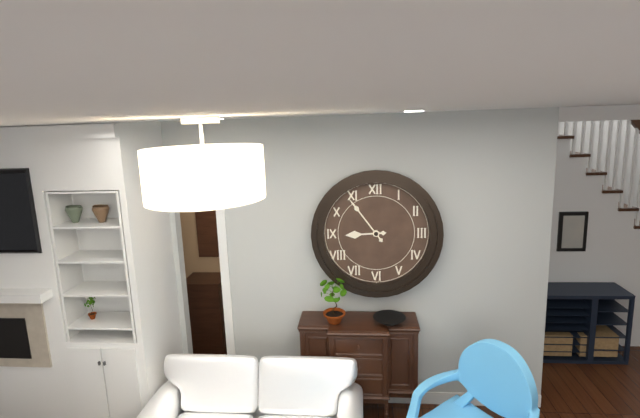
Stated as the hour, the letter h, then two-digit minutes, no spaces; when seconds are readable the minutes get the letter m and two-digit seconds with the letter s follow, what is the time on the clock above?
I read 8h54
